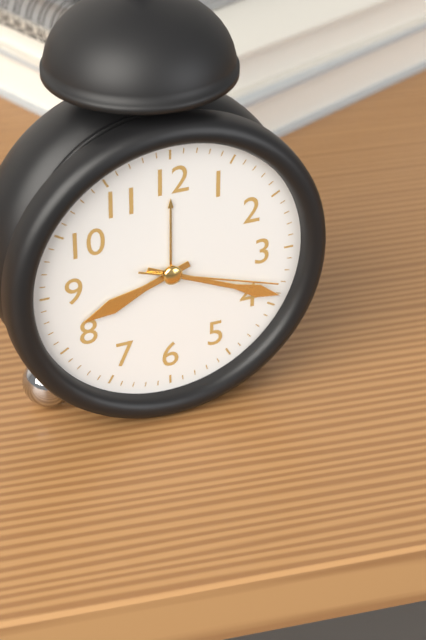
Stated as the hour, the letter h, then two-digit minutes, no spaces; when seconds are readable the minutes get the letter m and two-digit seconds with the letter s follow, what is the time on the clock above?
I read 8h19m18s
